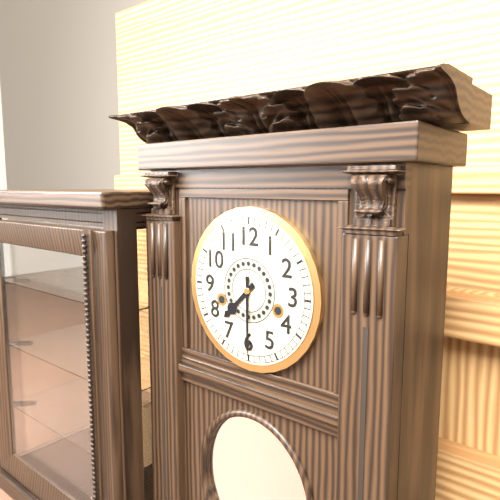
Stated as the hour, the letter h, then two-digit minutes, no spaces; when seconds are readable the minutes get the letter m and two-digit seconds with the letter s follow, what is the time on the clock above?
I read 7h30
